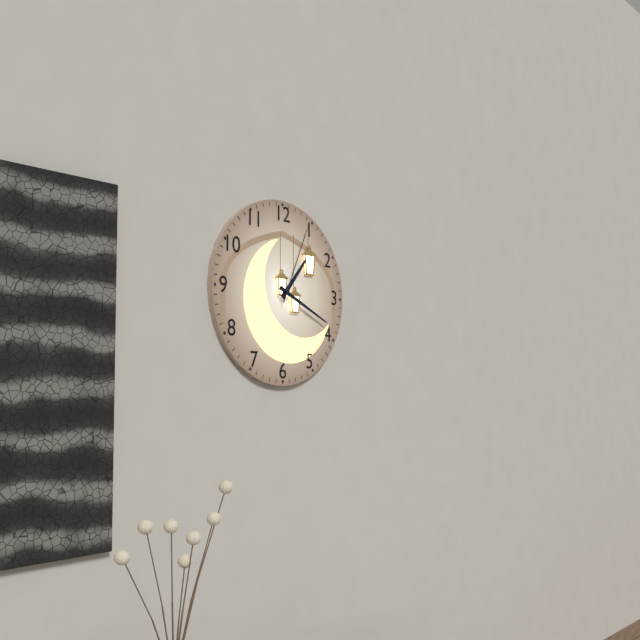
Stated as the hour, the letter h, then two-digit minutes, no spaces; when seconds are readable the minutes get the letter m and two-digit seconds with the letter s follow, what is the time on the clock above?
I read 1h19m04s
